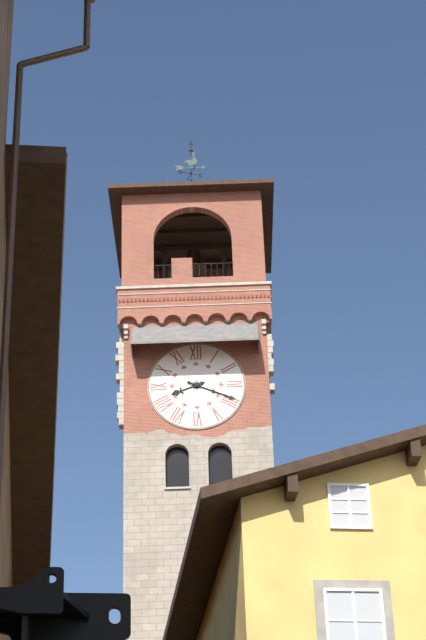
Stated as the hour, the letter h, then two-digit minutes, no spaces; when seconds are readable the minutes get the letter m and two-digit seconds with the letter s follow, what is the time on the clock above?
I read 8h19
